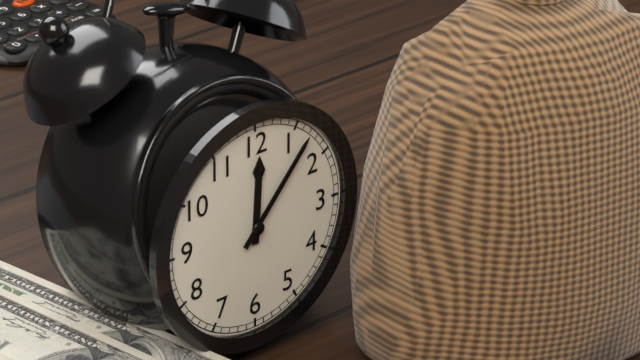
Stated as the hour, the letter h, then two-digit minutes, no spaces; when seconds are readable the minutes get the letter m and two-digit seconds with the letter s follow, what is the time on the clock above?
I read 12h07
